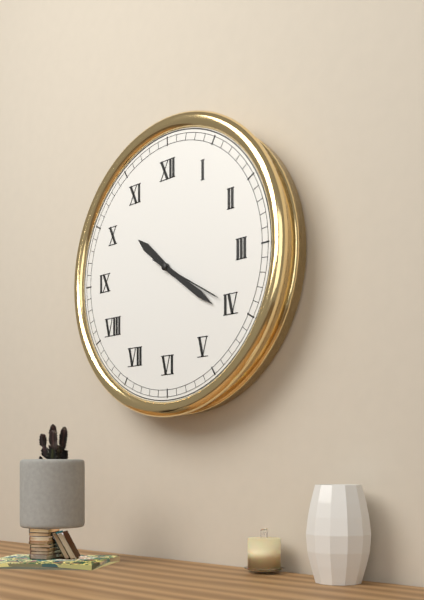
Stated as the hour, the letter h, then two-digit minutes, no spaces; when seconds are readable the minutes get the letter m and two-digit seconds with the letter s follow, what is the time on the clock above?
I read 10h21
